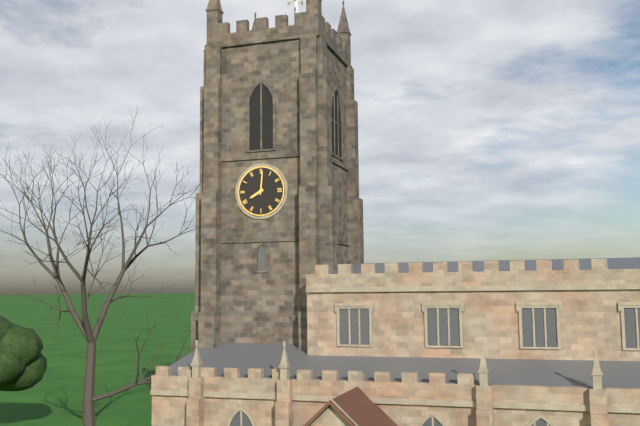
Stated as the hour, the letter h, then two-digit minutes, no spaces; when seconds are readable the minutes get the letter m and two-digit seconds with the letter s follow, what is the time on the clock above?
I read 8h01
